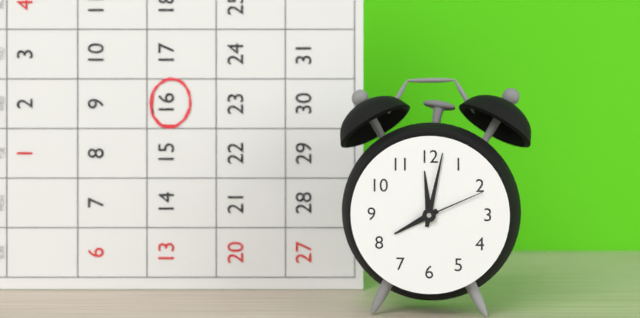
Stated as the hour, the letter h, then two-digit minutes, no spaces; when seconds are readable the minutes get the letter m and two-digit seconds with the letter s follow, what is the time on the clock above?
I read 8h02m11s
